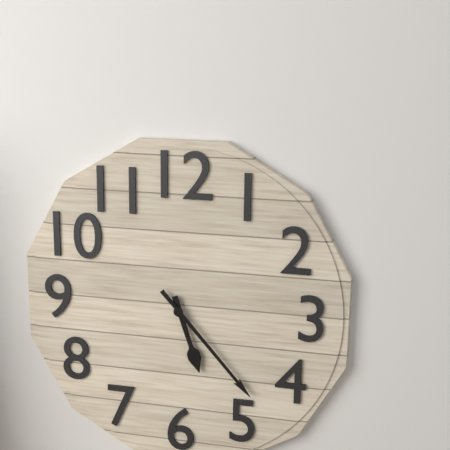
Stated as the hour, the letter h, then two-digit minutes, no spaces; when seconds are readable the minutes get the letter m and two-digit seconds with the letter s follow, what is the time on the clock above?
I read 5h23
